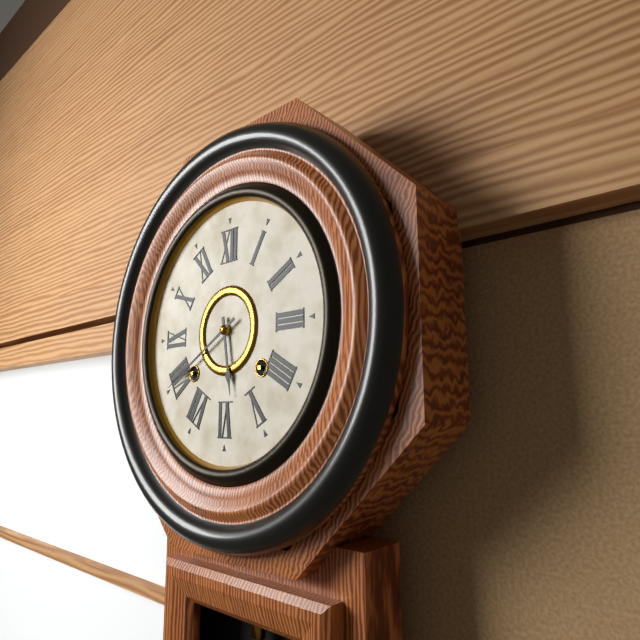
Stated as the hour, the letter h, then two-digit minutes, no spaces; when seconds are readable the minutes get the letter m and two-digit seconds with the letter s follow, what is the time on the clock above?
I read 5h40
